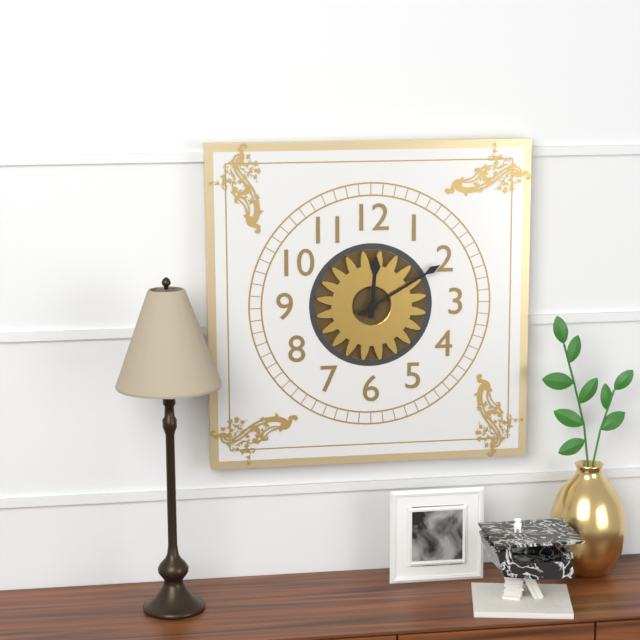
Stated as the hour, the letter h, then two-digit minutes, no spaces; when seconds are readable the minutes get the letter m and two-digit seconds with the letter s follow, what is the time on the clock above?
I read 12h10
